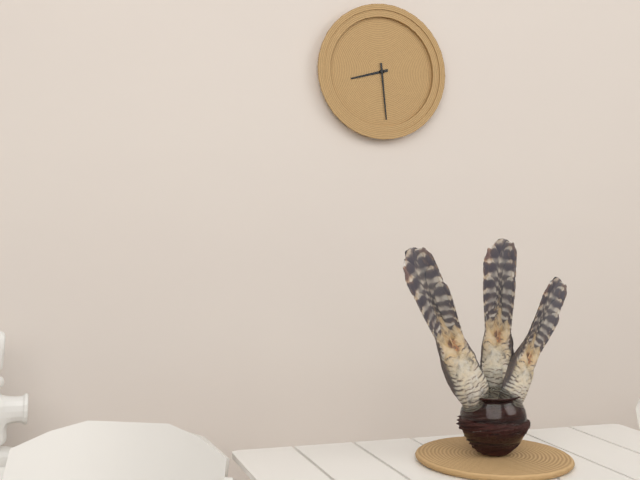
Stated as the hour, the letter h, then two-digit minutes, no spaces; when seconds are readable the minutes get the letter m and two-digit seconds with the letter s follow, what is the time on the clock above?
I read 8h29
